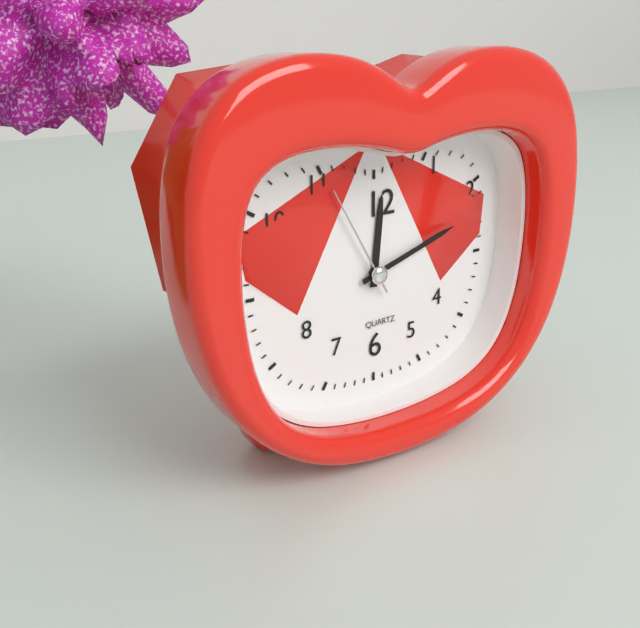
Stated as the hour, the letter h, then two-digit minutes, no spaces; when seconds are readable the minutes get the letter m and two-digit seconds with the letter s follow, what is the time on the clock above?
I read 12h12m55s
